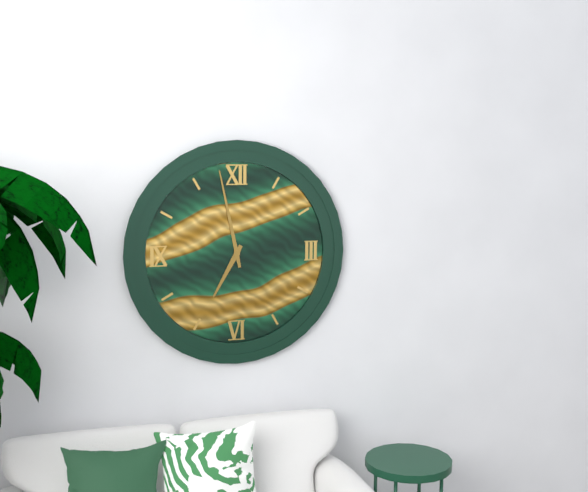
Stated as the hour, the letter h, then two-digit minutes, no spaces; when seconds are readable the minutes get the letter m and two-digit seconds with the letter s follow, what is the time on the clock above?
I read 6h58
